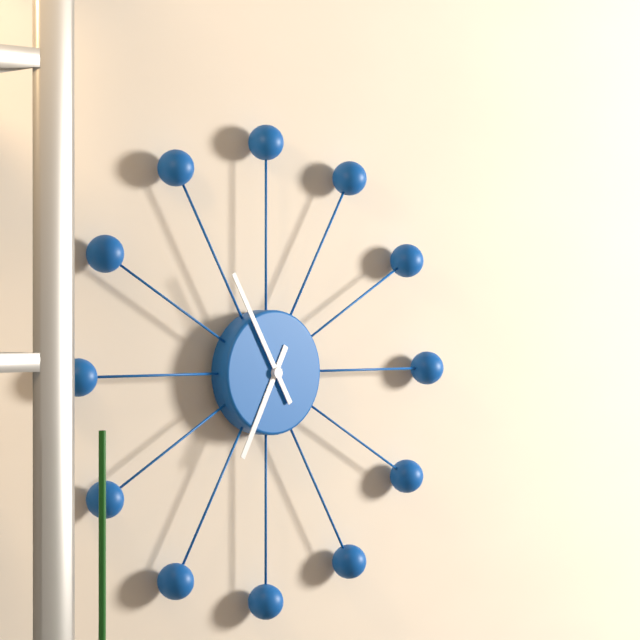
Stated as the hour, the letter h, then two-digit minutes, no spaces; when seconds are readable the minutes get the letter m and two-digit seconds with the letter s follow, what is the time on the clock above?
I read 6h55
